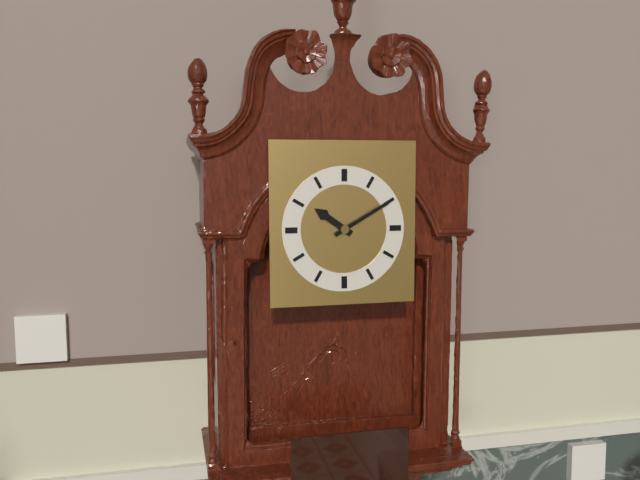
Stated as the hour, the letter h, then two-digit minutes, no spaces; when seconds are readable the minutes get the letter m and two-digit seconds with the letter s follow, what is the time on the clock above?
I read 10h10
